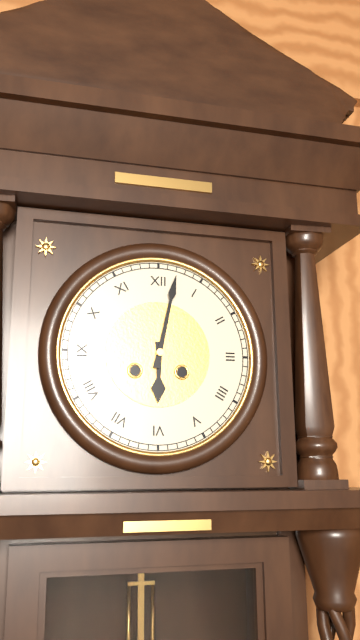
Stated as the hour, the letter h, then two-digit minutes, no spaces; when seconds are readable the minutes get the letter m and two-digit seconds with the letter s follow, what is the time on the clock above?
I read 6h02
